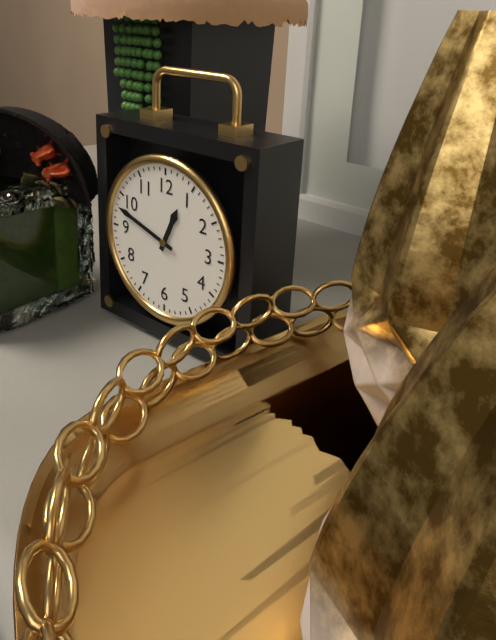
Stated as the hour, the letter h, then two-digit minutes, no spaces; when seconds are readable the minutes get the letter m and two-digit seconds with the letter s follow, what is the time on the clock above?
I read 12h48
